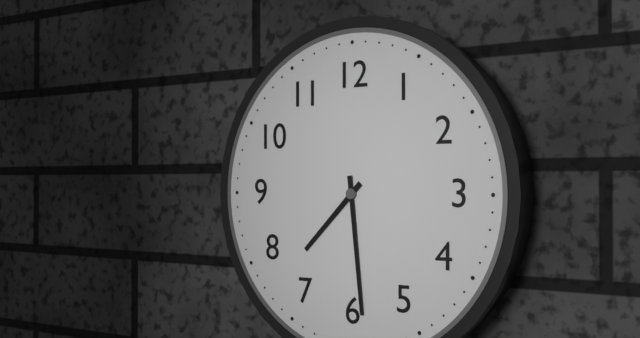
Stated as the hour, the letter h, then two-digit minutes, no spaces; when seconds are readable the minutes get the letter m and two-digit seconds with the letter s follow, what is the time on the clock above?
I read 7h29
